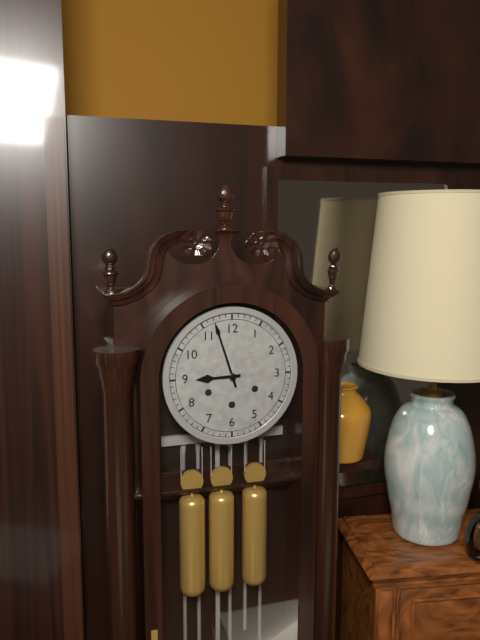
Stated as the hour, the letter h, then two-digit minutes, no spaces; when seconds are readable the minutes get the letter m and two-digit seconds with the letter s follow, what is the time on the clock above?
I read 8h57
